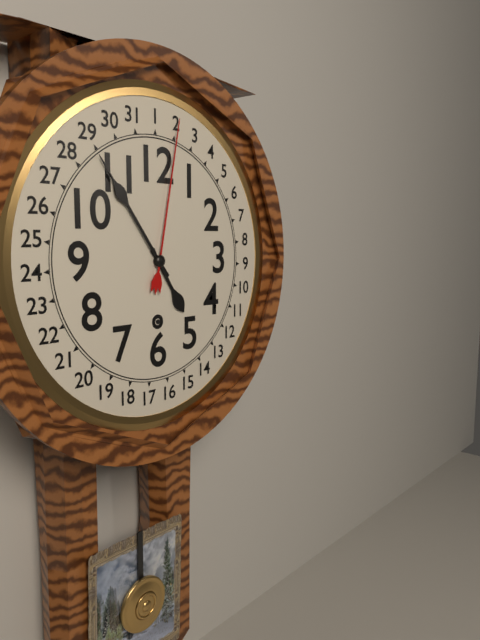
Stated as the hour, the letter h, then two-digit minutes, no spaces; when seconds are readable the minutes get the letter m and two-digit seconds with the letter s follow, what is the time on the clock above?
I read 4h54
